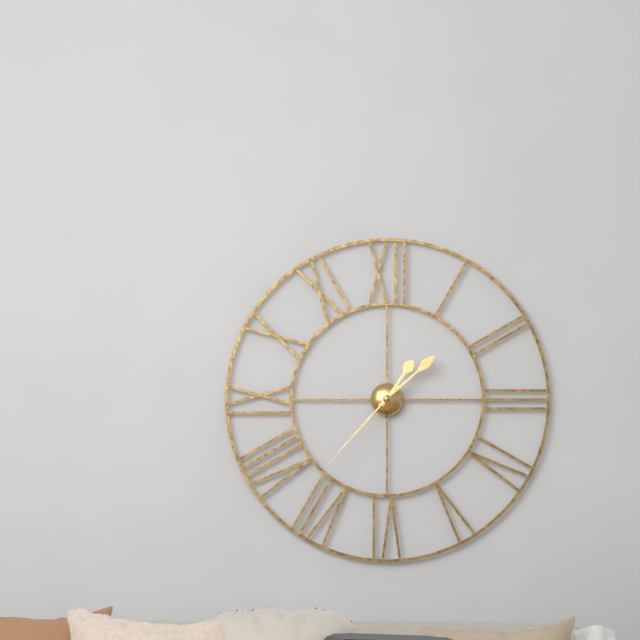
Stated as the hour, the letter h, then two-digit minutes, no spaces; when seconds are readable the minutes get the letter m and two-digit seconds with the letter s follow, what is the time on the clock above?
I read 1h08m37s
